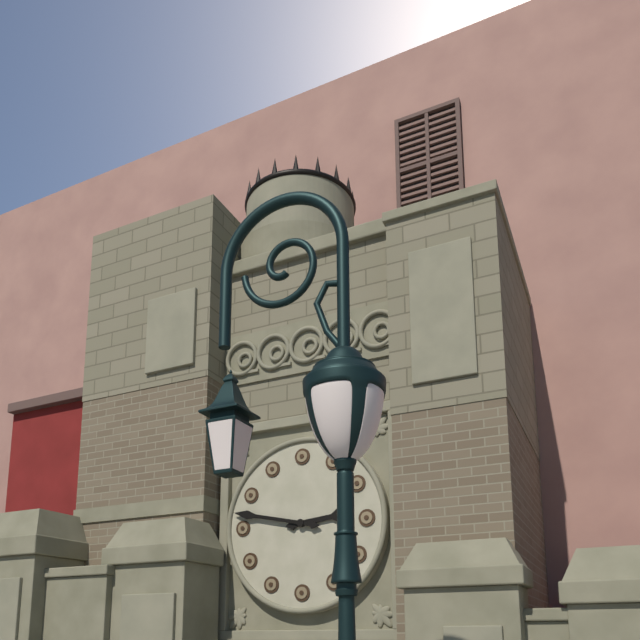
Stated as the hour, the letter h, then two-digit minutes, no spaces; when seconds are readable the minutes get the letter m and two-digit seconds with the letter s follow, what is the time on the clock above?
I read 2h47
